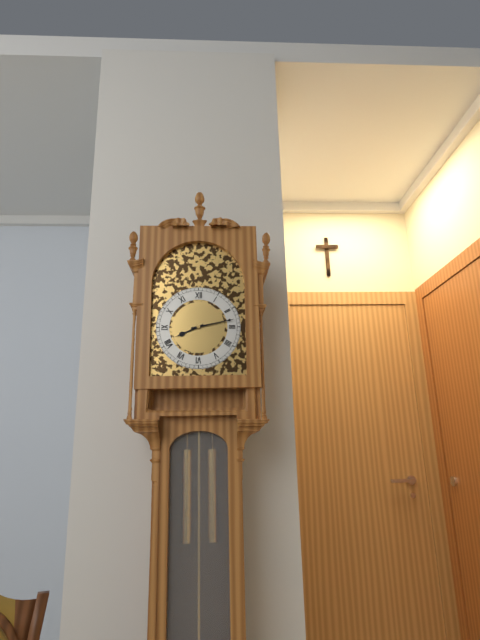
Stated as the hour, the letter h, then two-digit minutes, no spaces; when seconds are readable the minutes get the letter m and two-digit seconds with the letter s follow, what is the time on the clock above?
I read 8h13
